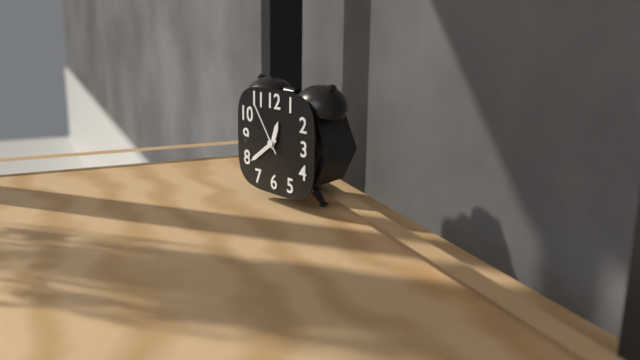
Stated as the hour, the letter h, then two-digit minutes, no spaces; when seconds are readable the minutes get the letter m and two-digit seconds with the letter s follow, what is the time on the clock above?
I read 12h39m54s
